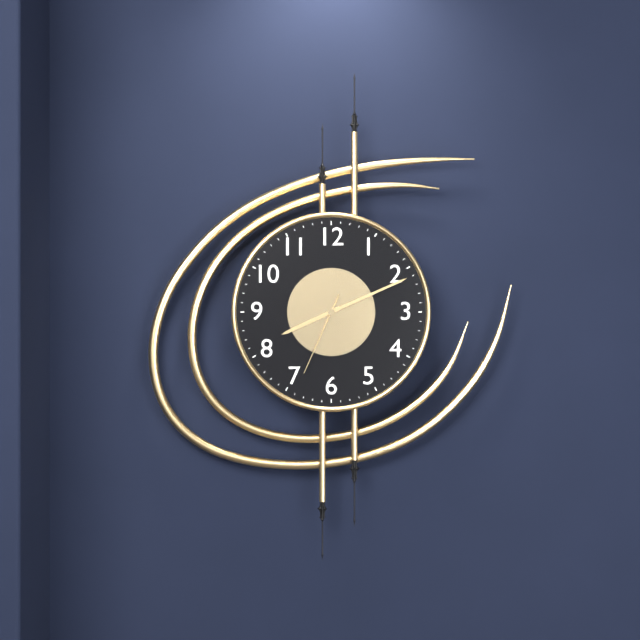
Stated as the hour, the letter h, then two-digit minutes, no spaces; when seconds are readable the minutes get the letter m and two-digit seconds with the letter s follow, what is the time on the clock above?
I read 8h11m34s
